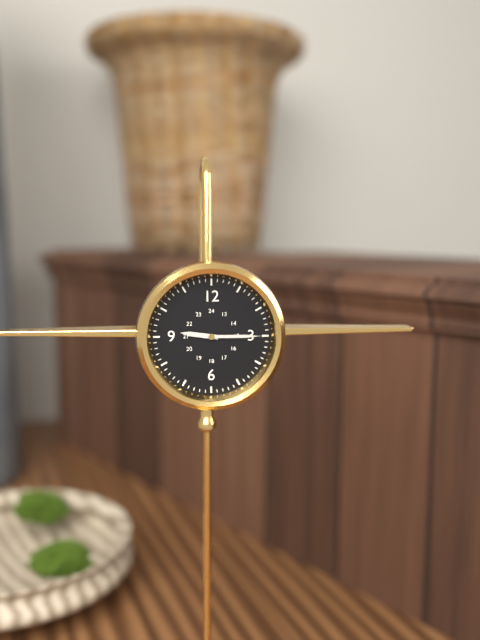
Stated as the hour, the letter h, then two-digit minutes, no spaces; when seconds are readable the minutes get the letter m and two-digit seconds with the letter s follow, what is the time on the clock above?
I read 9h15
